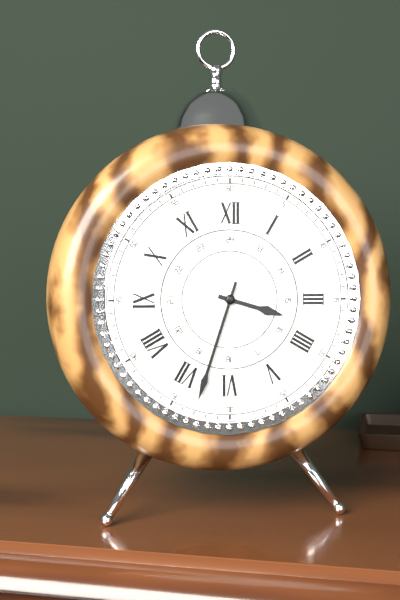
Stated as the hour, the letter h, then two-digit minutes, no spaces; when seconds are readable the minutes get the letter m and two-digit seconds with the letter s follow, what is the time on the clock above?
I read 3h33
